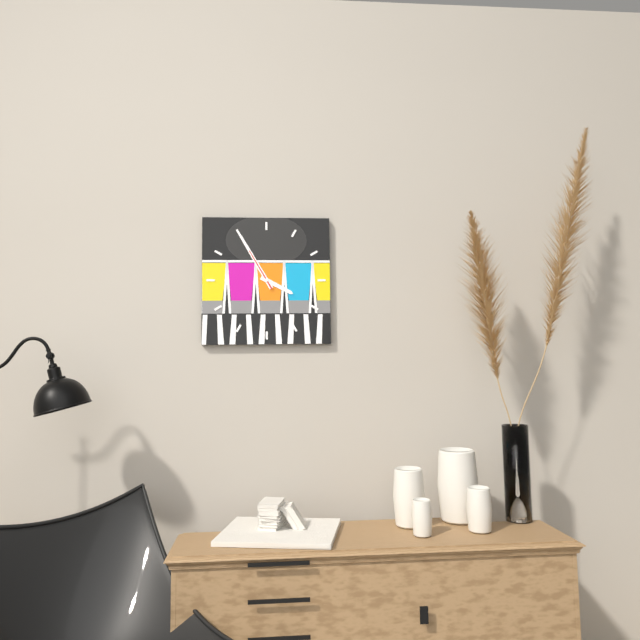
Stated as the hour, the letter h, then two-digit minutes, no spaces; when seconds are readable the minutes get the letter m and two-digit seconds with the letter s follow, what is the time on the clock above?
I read 3h55
